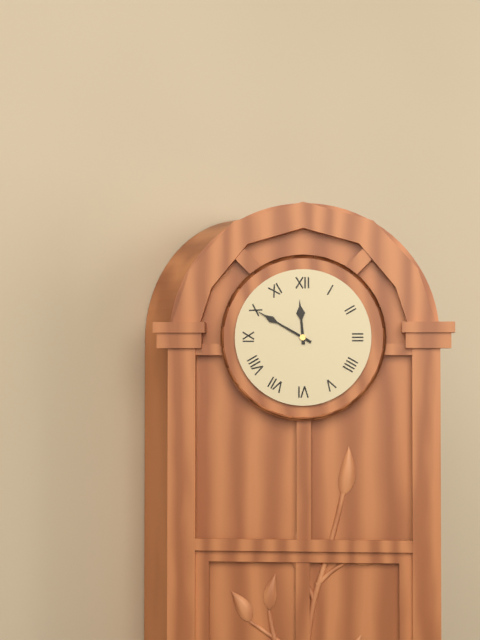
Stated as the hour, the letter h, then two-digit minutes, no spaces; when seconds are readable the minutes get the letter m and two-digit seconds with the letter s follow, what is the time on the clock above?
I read 11h50
